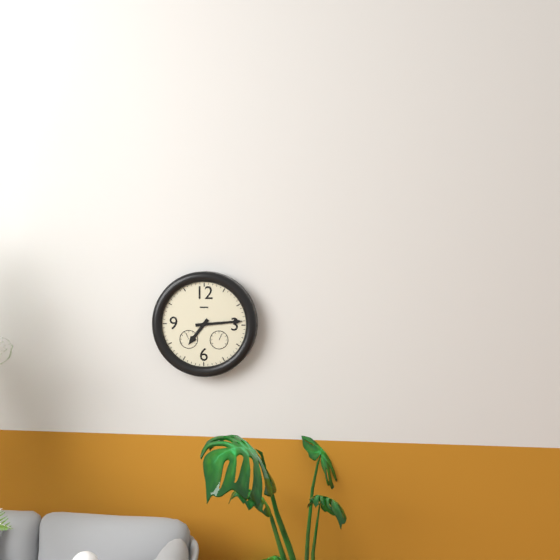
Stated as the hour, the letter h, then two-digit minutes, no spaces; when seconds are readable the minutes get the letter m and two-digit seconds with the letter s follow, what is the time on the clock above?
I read 7h14
